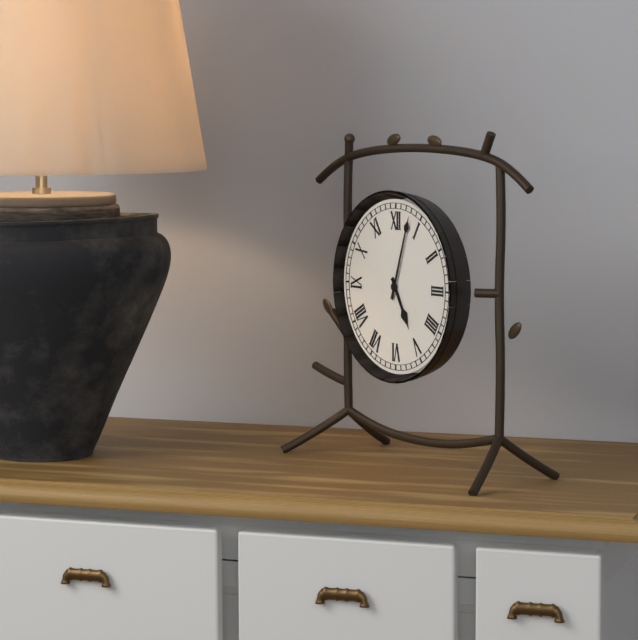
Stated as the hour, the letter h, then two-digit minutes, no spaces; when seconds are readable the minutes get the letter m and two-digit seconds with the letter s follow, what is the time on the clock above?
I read 5h03
